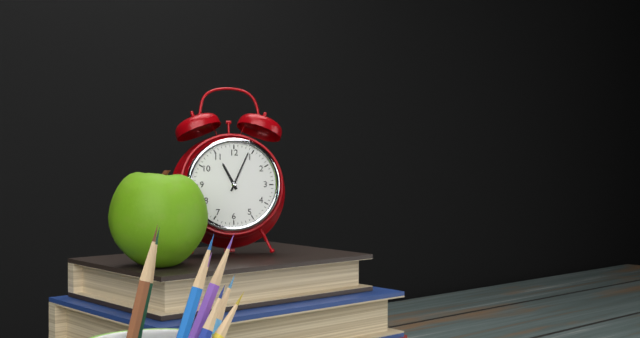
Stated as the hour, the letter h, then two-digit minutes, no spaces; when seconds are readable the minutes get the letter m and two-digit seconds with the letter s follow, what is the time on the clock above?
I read 11h04
